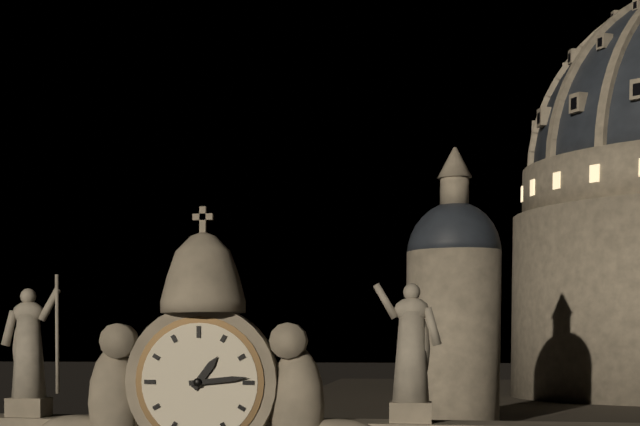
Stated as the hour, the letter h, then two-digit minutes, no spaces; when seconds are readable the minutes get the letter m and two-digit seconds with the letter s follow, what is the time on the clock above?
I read 1h14
